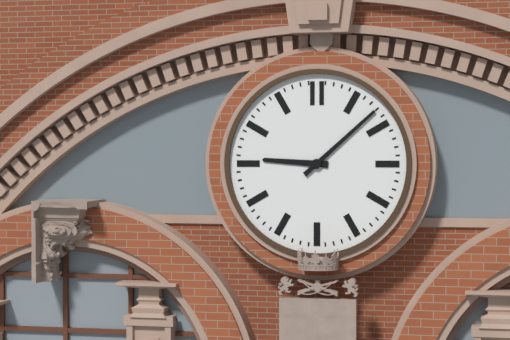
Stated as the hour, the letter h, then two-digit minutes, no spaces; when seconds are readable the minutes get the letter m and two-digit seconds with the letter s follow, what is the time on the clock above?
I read 9h08
